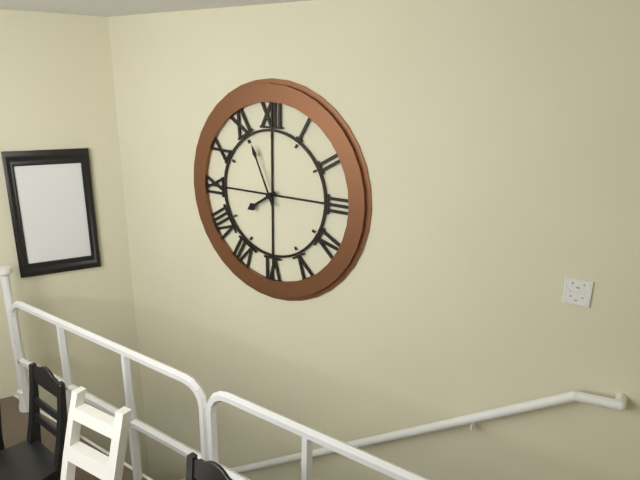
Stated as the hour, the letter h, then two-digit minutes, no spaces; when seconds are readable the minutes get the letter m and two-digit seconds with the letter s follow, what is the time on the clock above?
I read 7h56
